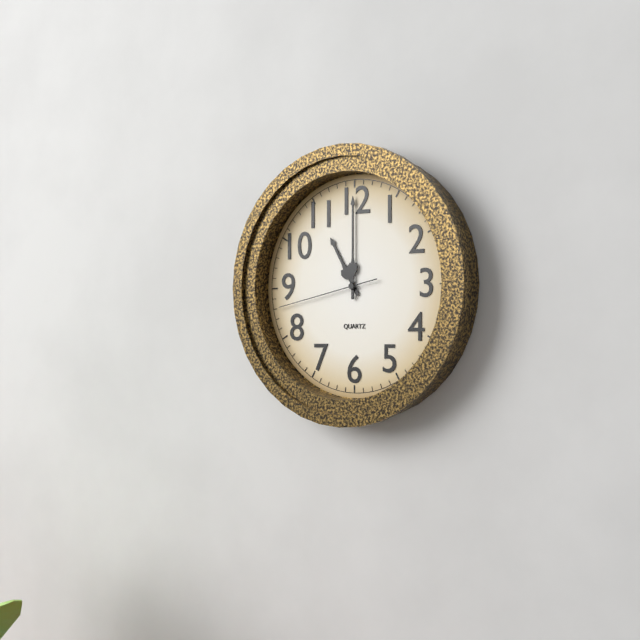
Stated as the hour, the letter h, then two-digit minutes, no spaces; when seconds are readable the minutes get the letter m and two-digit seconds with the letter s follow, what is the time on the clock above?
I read 11h00m43s
